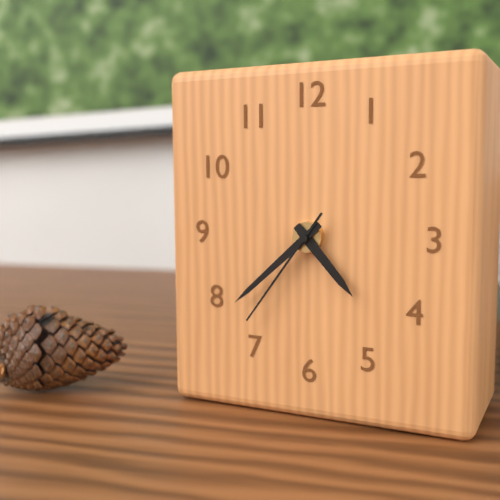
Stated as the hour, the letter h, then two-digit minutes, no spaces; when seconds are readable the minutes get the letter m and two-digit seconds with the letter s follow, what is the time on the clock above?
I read 4h38m36s
